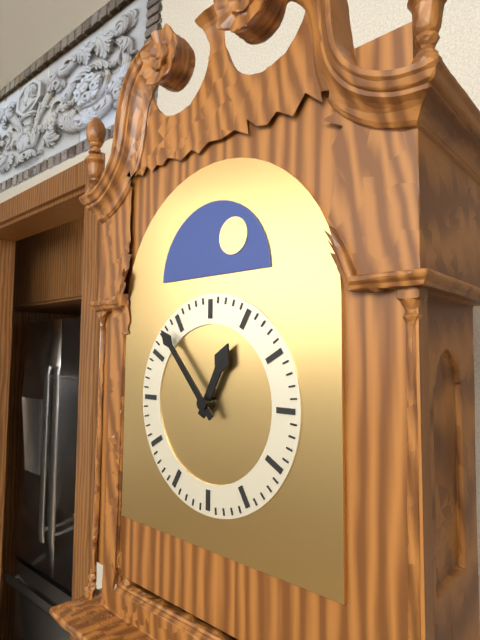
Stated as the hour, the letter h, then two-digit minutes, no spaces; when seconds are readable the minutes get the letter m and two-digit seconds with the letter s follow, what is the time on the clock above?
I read 12h53
